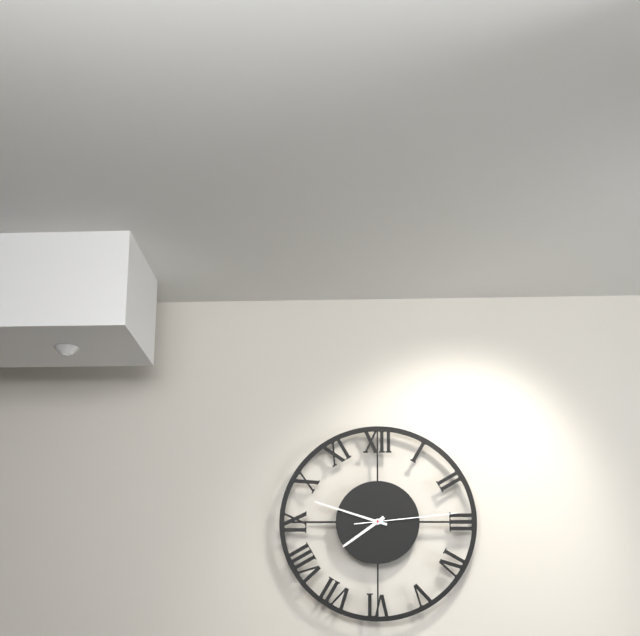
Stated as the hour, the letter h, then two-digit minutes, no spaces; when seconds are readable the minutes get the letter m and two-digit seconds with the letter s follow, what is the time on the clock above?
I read 7h48m14s
